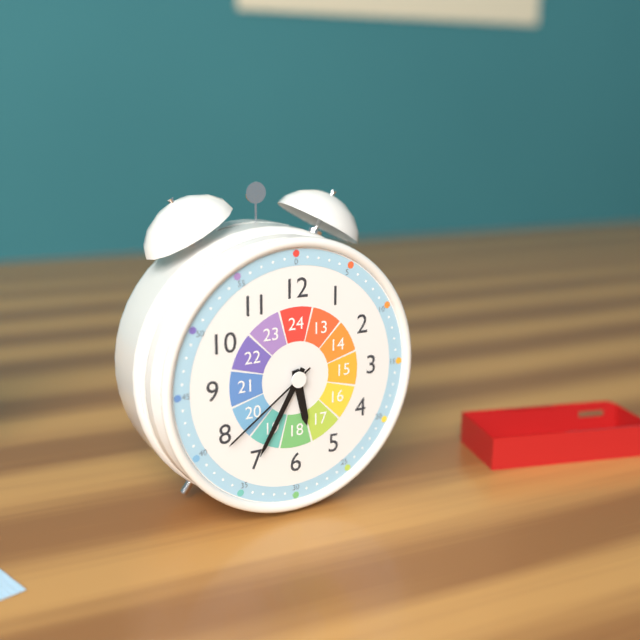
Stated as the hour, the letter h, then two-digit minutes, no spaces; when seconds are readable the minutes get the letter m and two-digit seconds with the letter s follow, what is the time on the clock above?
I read 5h35m39s
